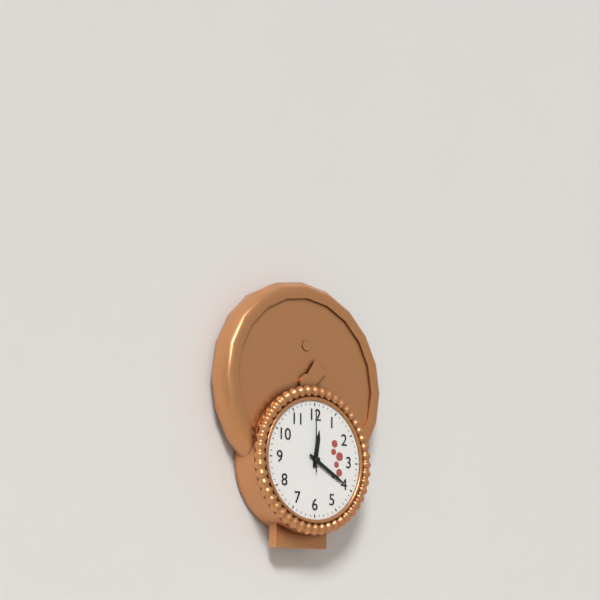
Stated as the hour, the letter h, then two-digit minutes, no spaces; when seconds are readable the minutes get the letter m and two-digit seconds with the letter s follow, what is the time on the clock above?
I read 12h20m00s
